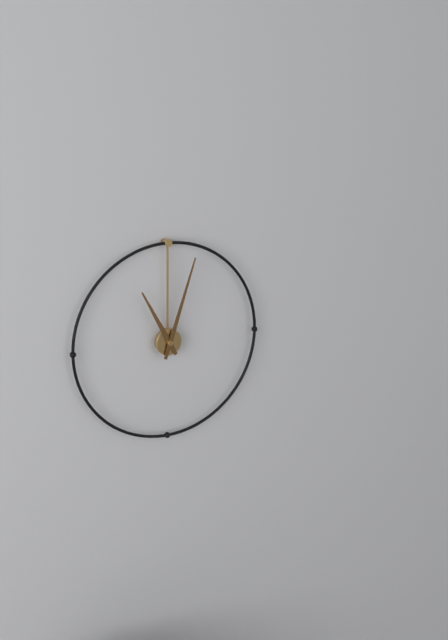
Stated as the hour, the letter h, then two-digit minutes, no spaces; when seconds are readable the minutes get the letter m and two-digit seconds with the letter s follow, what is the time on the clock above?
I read 11h03
